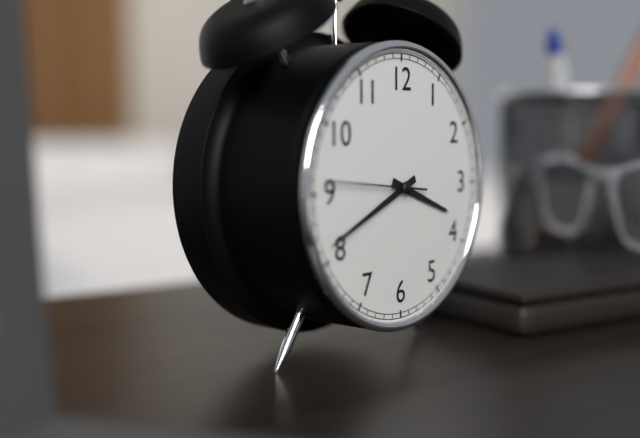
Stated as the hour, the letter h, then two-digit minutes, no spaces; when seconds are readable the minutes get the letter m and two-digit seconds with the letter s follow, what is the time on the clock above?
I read 3h41m46s
